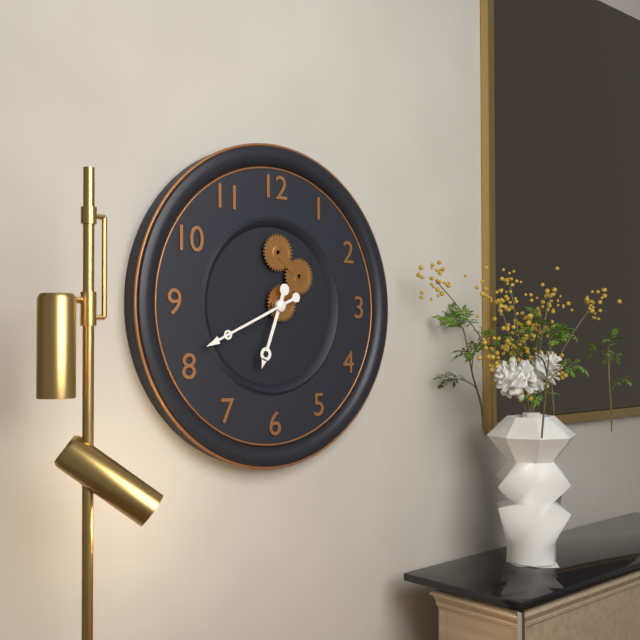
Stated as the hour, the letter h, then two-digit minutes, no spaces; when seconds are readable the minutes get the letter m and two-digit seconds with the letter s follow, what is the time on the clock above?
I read 6h41
